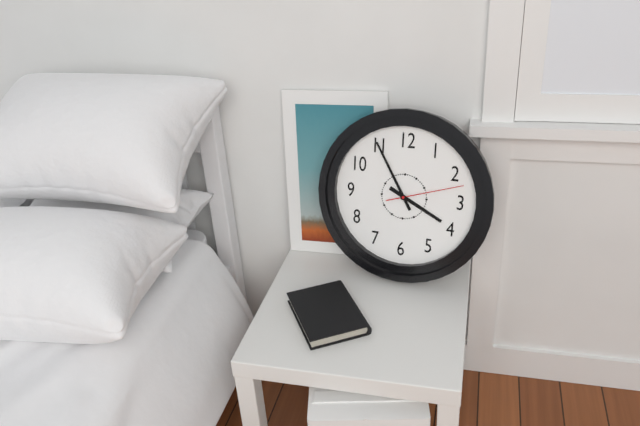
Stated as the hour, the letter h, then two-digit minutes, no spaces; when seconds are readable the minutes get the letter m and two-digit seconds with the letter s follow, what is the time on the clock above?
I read 3h55m12s
